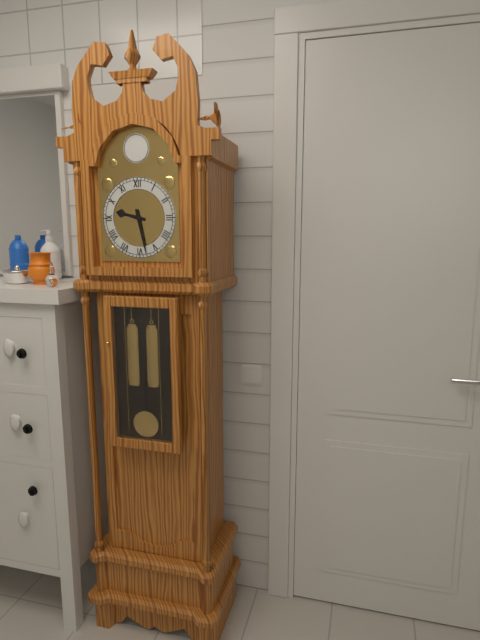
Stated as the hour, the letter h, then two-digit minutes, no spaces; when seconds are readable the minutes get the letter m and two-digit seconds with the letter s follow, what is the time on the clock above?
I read 9h28
